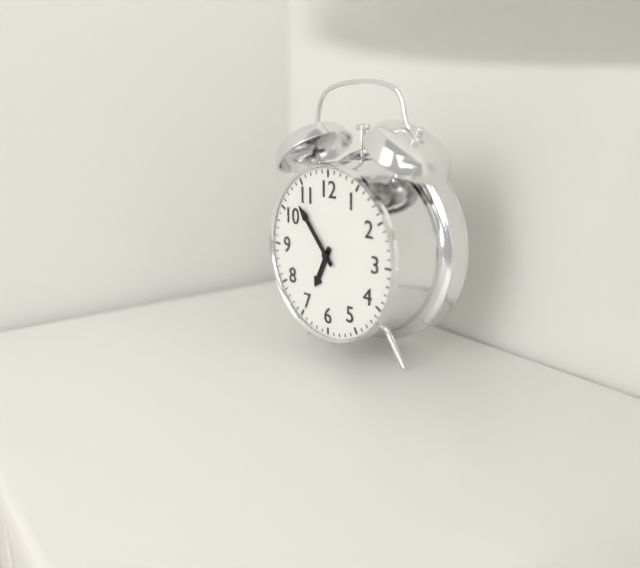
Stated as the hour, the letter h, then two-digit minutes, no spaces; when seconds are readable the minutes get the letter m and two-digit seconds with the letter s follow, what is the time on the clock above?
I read 6h53
